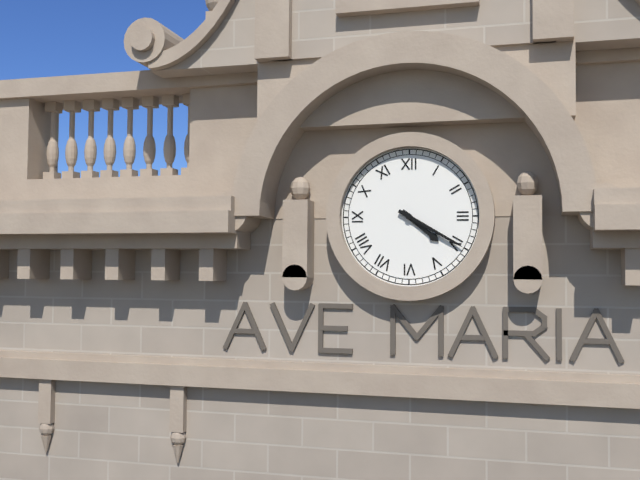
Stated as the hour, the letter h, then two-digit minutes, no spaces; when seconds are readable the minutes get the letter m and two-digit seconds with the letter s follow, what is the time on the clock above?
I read 4h20
